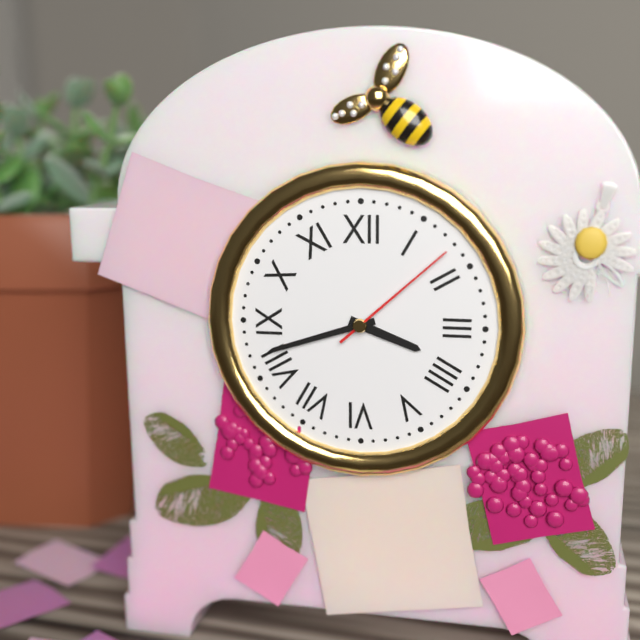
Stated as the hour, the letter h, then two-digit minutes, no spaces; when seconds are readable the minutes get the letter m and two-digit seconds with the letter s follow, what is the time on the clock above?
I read 3h42m08s
